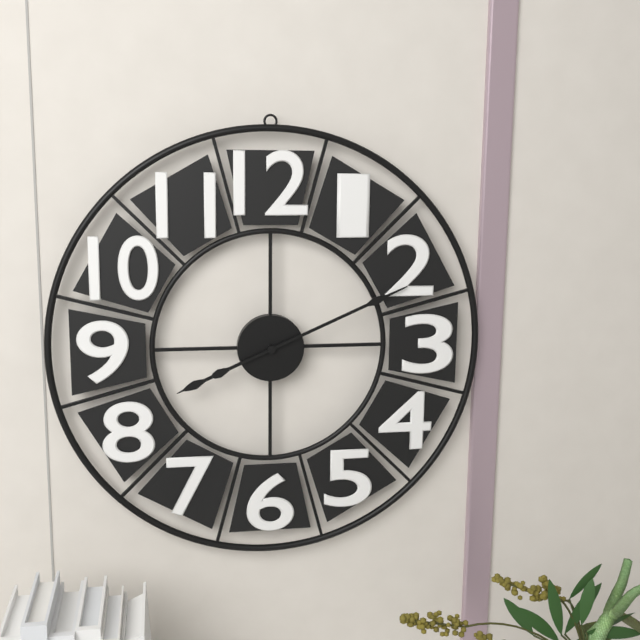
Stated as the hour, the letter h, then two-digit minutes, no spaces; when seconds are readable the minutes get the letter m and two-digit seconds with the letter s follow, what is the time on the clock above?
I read 8h11
